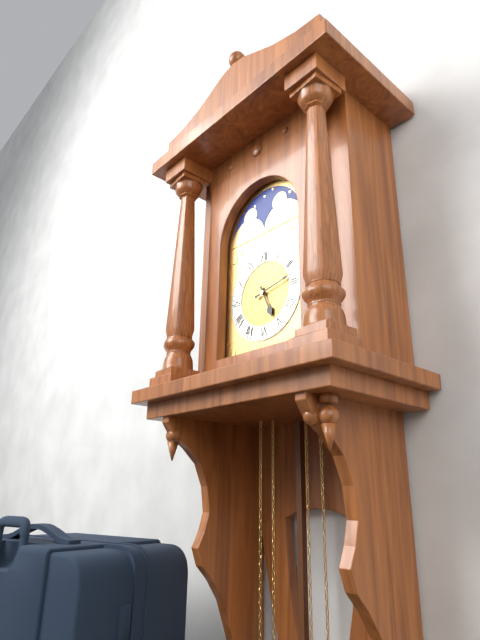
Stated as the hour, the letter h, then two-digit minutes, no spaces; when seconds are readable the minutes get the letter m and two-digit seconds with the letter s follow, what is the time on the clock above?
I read 5h13
